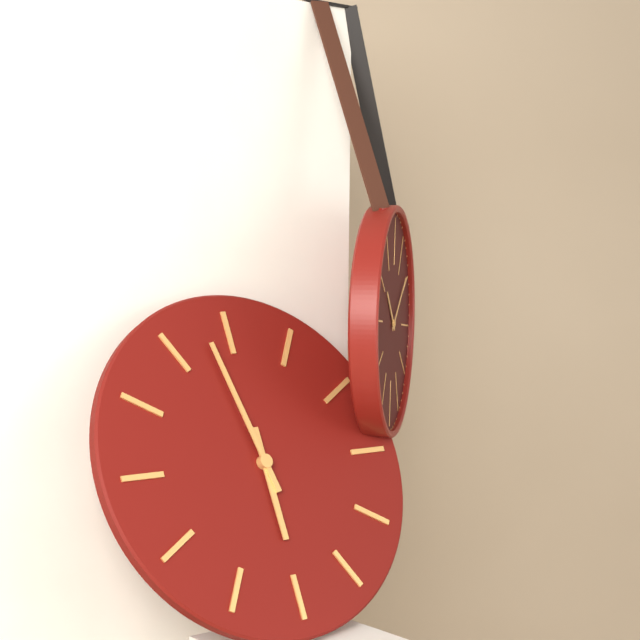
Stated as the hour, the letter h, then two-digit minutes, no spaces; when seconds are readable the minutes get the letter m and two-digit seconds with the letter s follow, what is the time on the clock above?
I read 5h58
